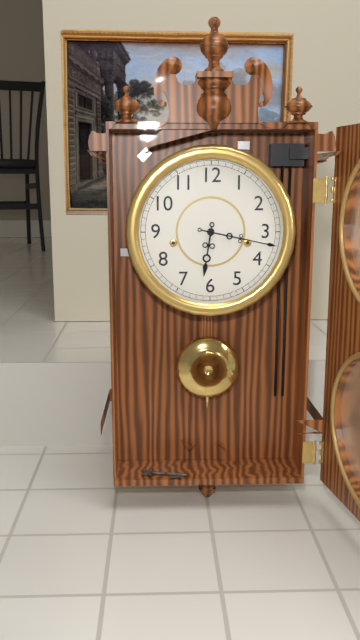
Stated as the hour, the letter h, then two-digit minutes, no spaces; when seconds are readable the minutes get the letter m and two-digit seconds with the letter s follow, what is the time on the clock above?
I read 6h17
